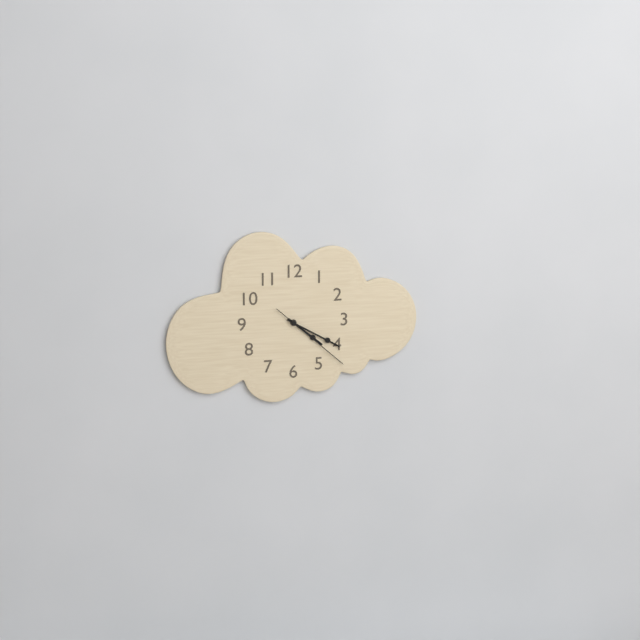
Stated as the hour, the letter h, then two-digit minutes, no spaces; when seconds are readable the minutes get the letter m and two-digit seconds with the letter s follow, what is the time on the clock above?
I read 4h20m22s
